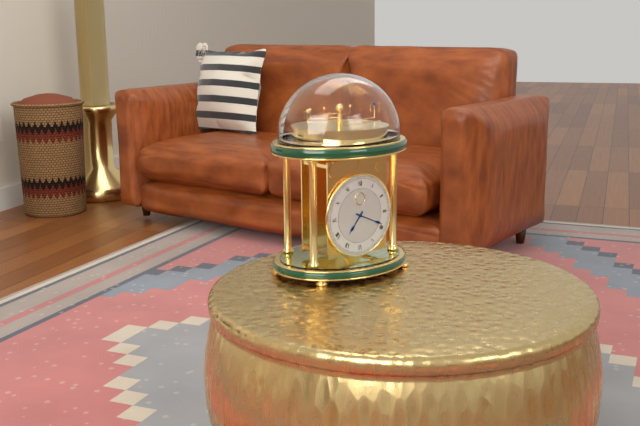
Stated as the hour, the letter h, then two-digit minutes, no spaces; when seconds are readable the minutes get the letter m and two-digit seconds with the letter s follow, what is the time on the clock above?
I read 7h19
